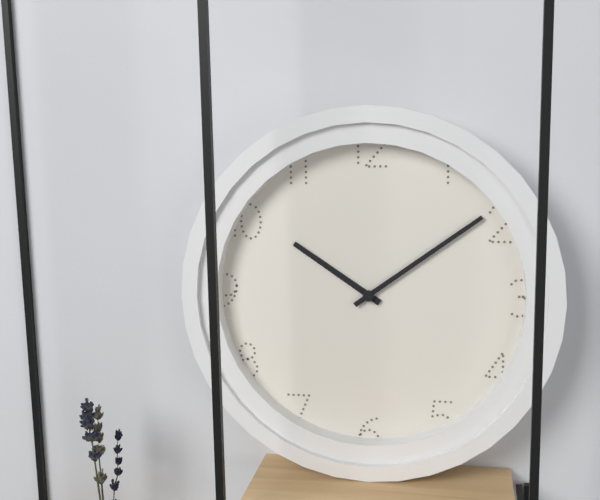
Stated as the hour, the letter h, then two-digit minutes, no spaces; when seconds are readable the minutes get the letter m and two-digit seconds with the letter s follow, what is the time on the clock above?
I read 10h09
